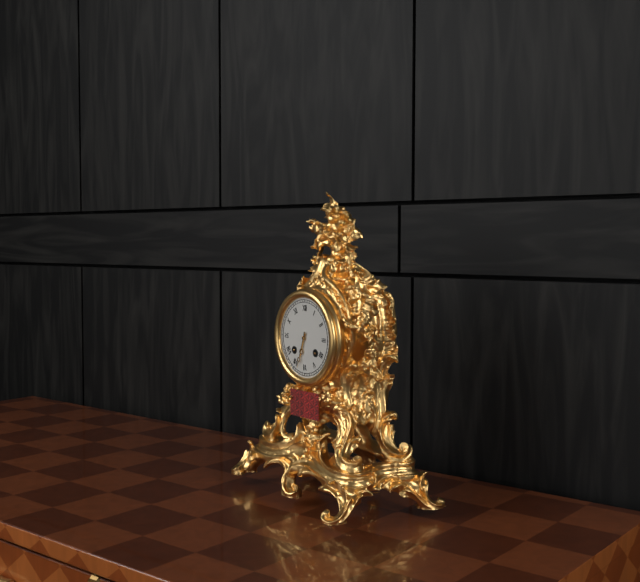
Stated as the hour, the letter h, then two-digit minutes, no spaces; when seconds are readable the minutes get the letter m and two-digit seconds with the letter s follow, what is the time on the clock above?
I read 6h33
